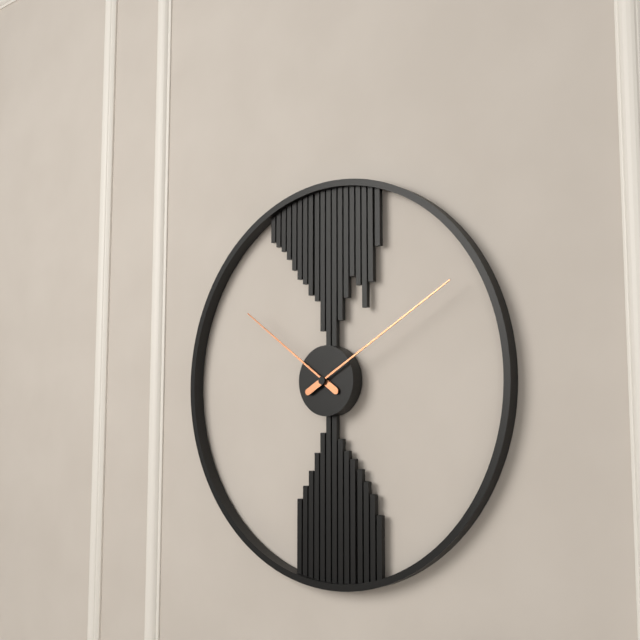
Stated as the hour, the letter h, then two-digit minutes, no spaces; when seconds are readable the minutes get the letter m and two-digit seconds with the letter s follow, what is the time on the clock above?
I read 10h10
